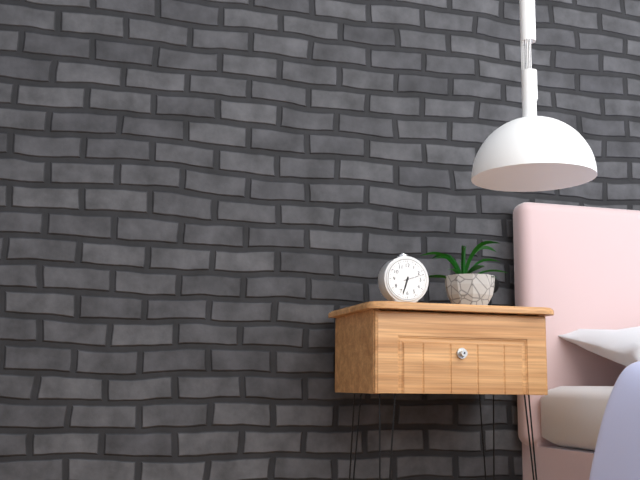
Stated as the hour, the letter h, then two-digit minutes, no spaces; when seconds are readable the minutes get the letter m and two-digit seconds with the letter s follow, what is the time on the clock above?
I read 6h33
